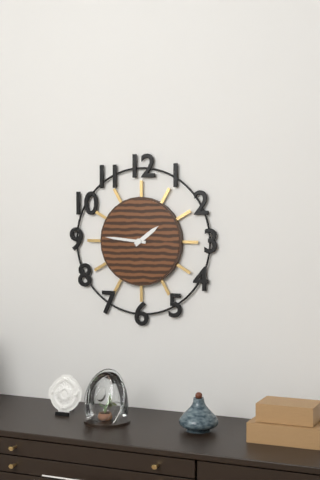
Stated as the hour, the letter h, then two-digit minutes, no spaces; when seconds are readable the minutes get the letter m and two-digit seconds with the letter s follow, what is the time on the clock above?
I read 1h46
